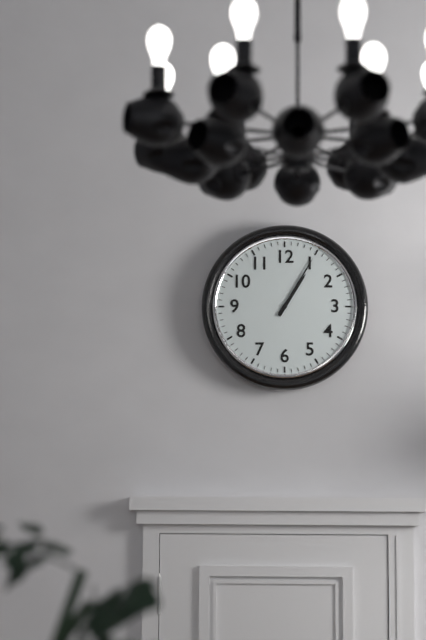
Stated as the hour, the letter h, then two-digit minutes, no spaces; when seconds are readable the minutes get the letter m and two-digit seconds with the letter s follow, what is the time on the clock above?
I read 1h05
